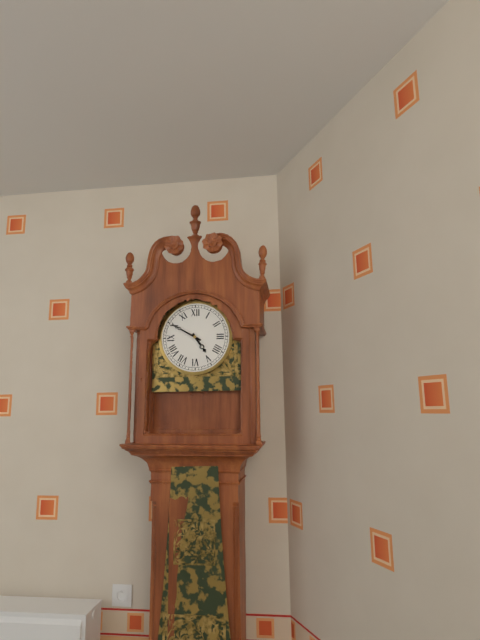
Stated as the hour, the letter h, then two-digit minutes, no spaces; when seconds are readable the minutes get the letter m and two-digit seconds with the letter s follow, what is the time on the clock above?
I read 4h50
